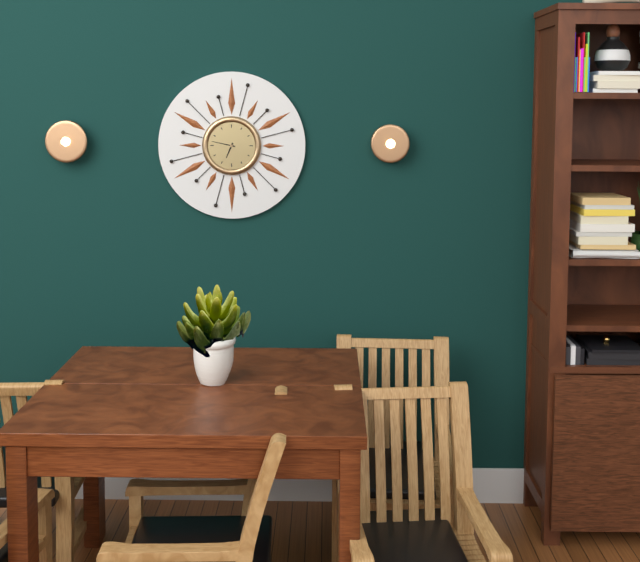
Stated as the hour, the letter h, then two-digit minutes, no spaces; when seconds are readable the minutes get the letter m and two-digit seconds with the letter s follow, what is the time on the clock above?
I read 6h47
